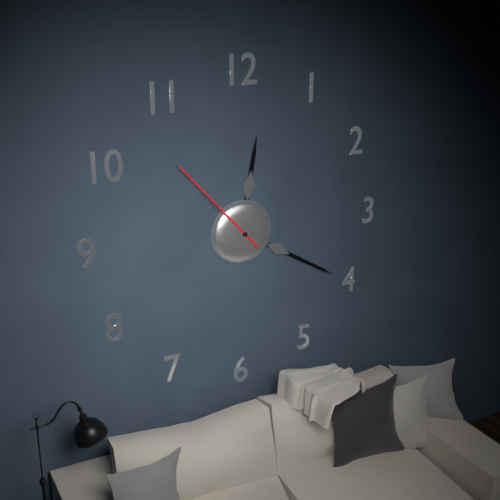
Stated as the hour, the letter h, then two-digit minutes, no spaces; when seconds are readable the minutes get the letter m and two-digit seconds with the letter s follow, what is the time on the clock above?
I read 12h20m53s
